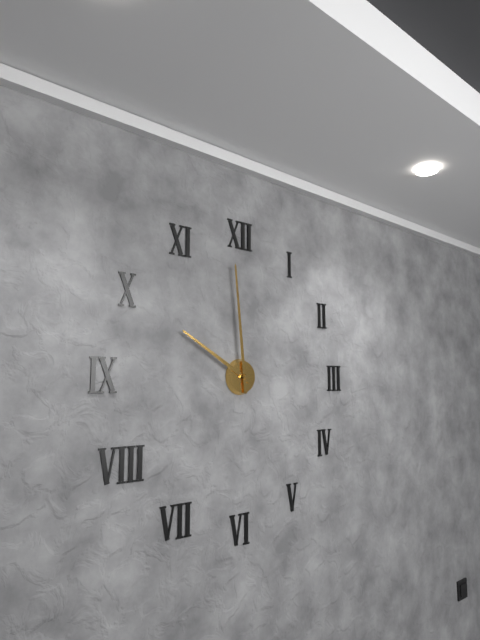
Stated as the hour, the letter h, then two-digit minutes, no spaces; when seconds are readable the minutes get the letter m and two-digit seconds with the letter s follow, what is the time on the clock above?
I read 9h59
